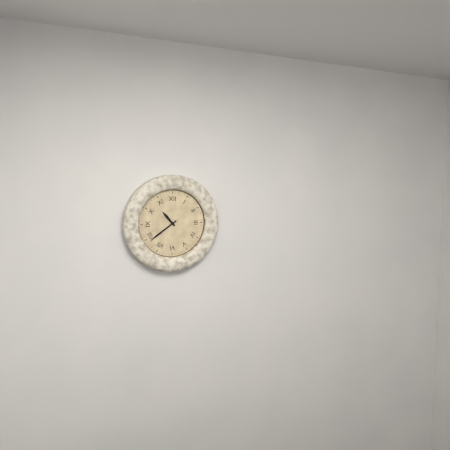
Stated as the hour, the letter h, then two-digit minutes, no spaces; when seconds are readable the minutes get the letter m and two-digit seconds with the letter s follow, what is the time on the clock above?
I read 10h39
